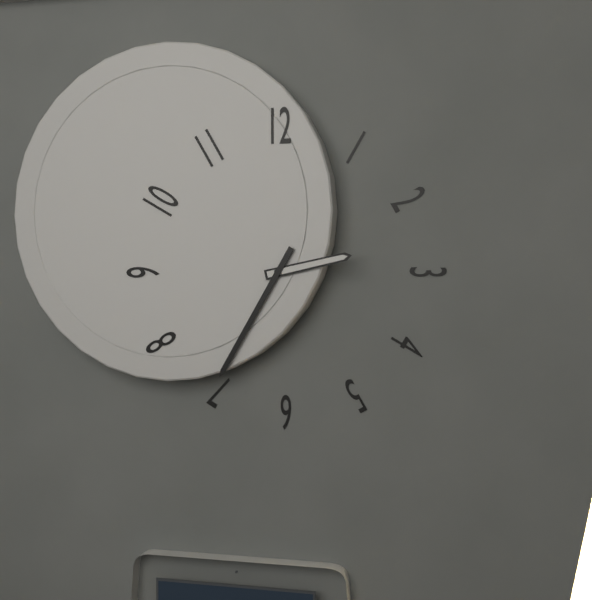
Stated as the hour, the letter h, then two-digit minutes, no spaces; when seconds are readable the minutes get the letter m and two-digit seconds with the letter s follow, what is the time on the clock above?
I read 2h35
